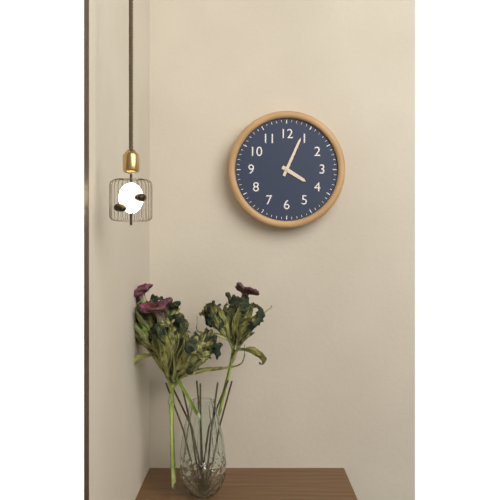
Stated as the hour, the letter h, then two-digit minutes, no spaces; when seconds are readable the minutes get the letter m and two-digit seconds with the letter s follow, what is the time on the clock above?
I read 4h04
